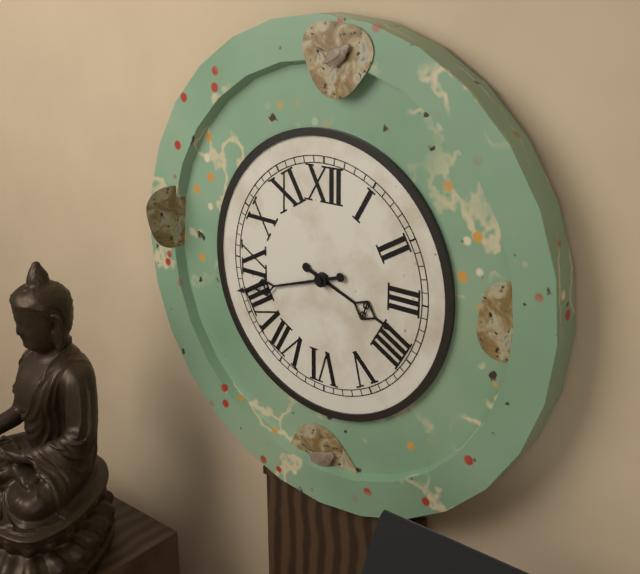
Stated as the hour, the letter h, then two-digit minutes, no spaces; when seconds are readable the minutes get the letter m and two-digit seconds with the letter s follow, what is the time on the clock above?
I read 3h42
